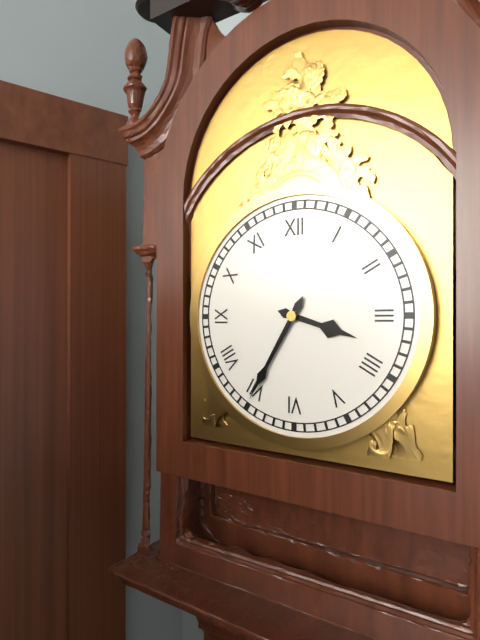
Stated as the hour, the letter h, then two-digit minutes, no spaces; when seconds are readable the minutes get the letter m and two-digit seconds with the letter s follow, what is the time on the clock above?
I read 3h35
